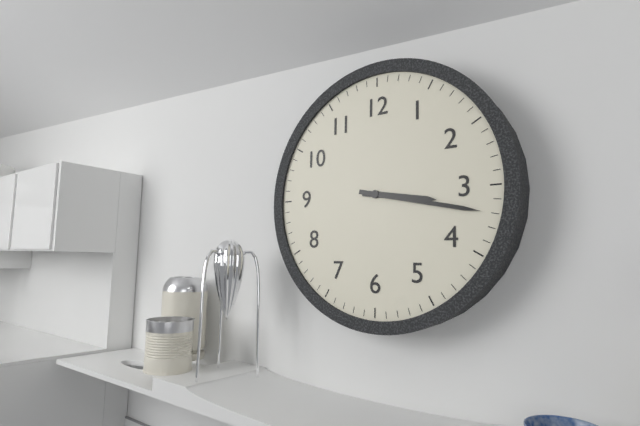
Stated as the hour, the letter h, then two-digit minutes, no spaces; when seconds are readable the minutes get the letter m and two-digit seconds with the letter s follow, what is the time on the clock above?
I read 3h17
